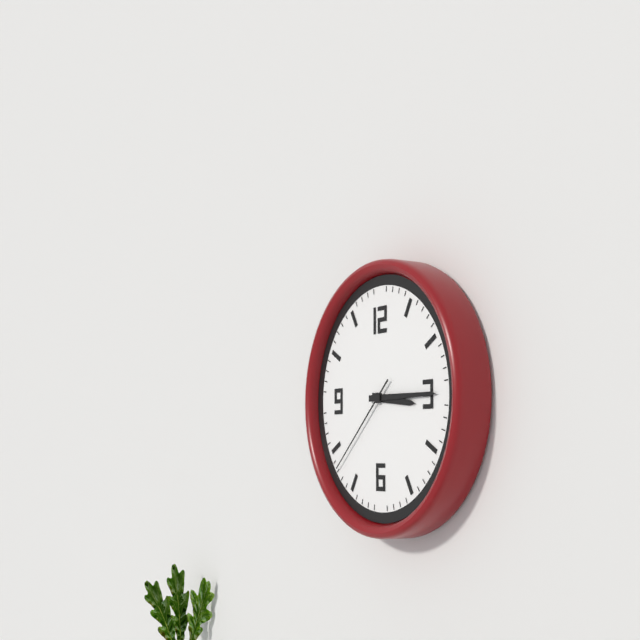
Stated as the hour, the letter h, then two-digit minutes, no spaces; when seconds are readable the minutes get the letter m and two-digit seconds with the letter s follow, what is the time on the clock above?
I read 3h15m38s
